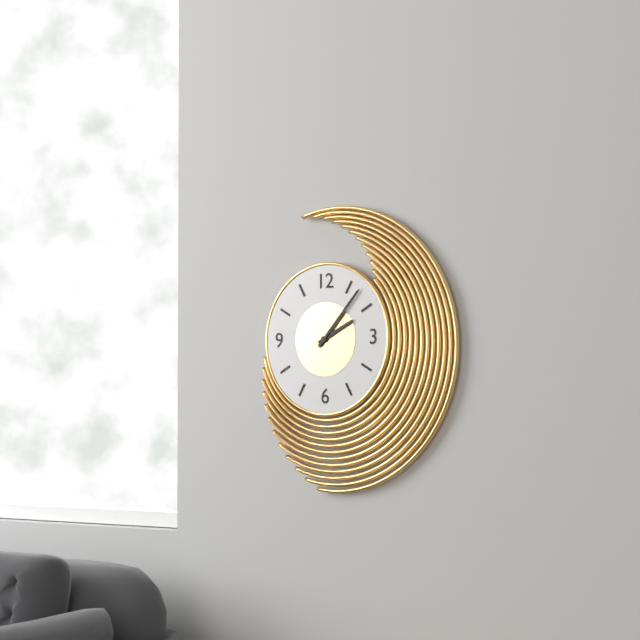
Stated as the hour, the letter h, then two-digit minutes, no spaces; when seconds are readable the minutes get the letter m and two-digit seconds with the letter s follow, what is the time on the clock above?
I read 2h07
